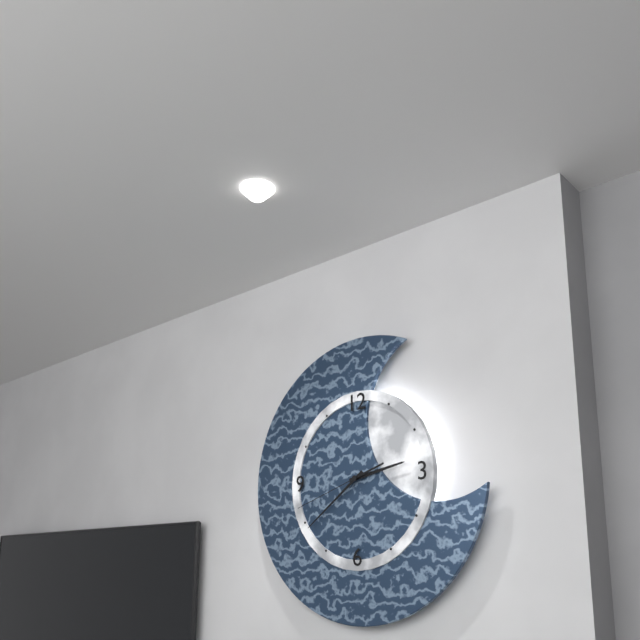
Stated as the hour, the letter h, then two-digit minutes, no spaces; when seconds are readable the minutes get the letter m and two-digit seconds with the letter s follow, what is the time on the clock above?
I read 2h39m42s
